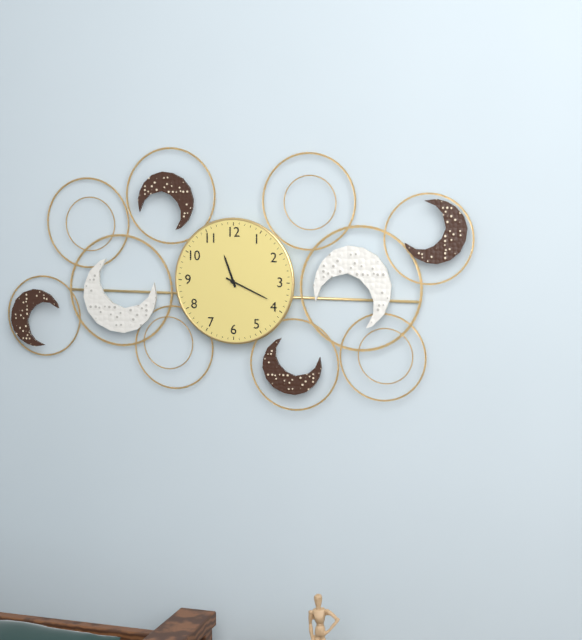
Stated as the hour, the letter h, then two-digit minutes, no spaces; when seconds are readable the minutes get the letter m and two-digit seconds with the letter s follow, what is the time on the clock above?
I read 11h19
